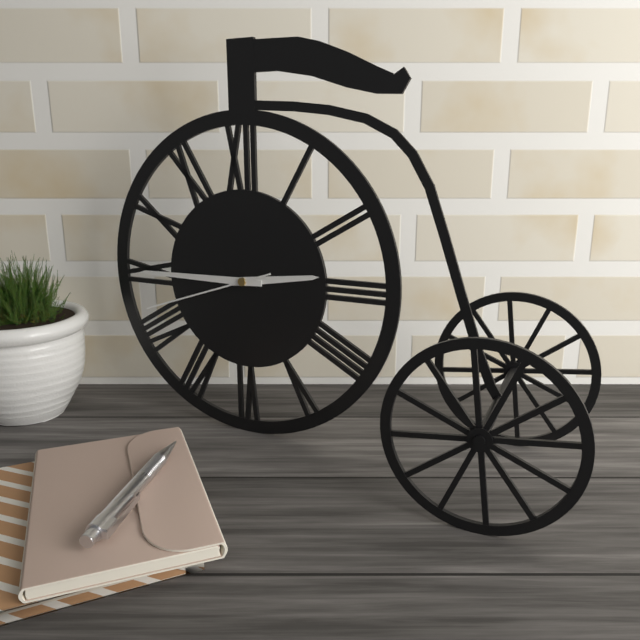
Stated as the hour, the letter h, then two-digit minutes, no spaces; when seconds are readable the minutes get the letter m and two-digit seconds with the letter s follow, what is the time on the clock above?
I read 2h45m42s
